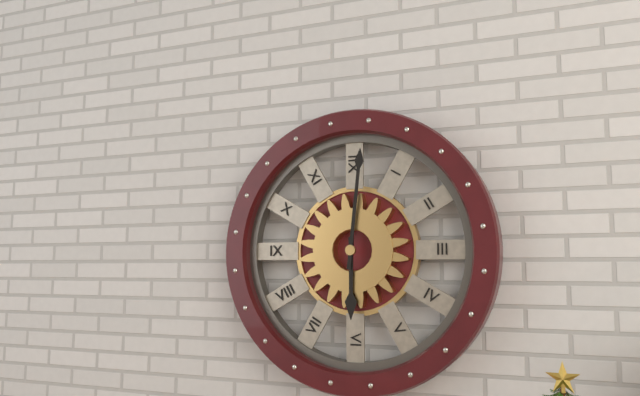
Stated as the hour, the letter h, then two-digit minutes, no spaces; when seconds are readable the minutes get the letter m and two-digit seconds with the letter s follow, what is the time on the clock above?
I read 6h01
